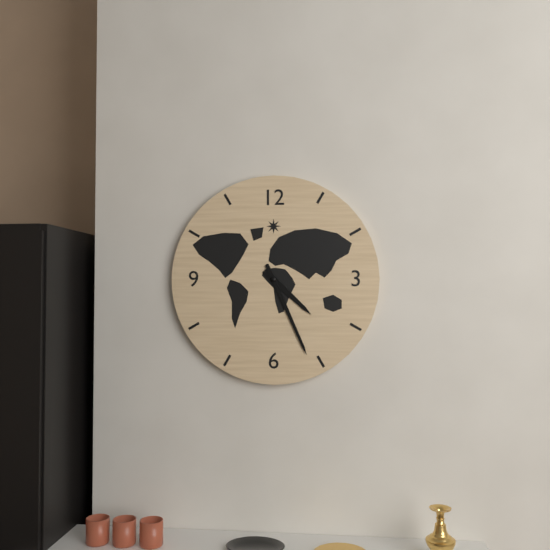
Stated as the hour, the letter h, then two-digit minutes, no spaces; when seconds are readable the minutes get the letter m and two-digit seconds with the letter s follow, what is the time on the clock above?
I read 4h26
